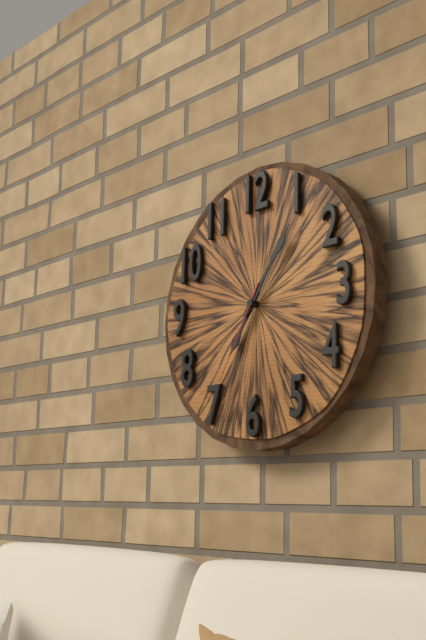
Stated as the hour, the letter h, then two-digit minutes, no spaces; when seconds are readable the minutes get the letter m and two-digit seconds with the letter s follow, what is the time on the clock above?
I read 7h06m35s
